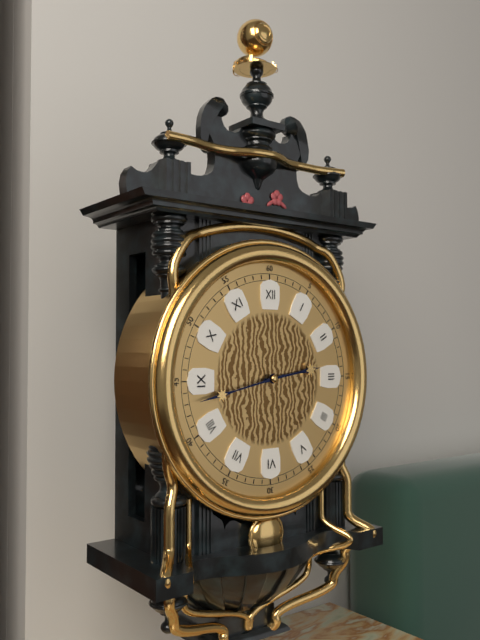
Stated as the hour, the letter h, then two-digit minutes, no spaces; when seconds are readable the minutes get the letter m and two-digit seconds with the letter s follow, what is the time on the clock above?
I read 2h43
